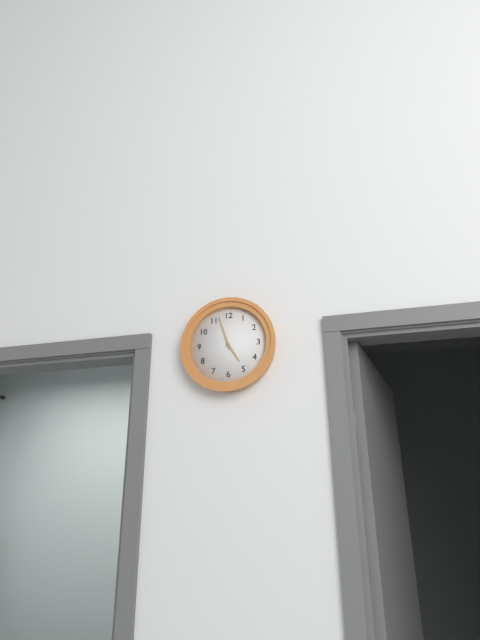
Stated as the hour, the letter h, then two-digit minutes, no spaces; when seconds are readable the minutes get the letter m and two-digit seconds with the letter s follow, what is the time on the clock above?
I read 4h57
